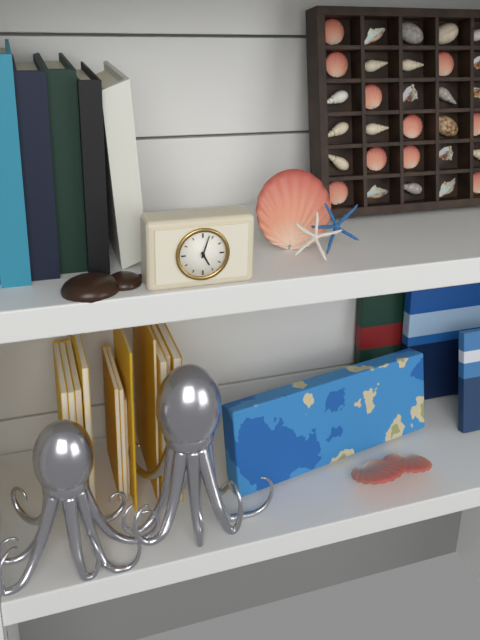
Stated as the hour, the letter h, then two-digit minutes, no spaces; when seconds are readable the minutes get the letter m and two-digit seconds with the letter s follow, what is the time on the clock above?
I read 5h03
